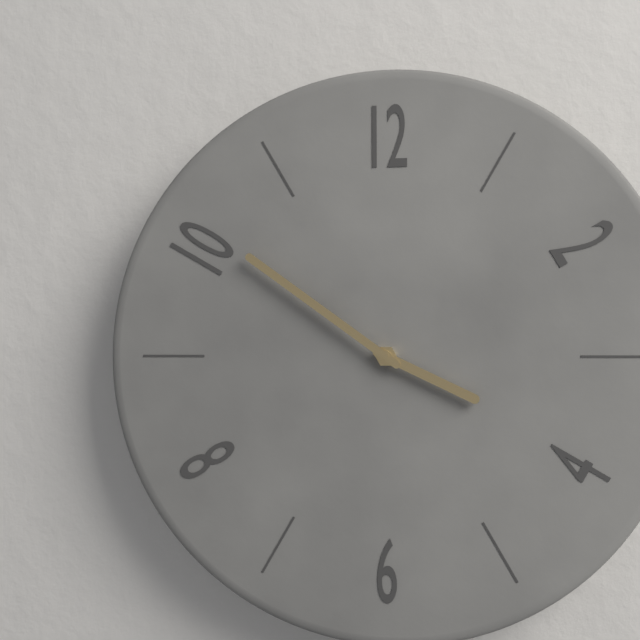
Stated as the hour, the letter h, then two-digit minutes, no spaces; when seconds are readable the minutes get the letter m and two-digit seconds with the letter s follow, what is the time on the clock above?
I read 3h51
